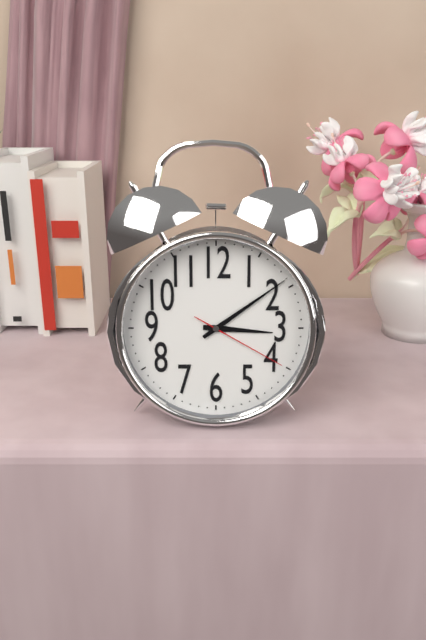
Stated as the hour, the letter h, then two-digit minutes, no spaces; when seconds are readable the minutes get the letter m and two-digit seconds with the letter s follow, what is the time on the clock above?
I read 3h09m20s
